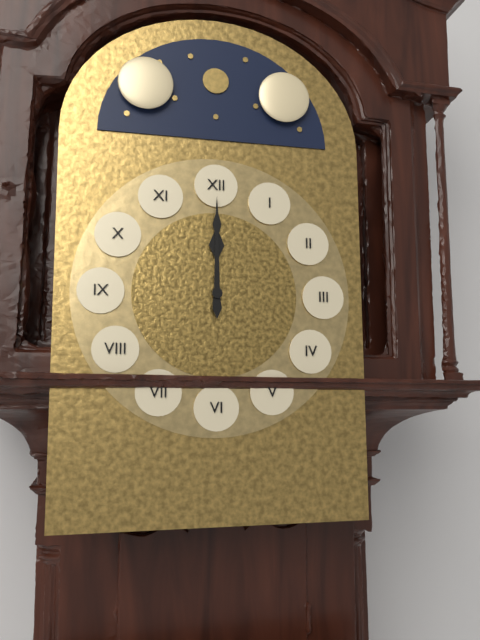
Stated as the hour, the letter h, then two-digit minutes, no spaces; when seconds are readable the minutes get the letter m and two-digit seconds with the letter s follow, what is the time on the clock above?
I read 12h00
